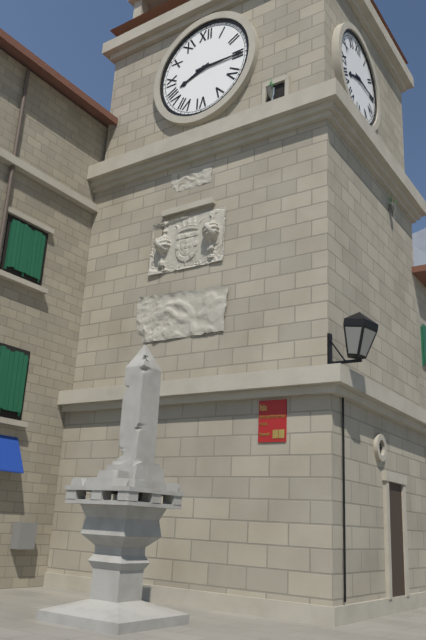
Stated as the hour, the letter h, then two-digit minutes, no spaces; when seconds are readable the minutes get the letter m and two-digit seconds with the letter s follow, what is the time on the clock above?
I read 8h15
